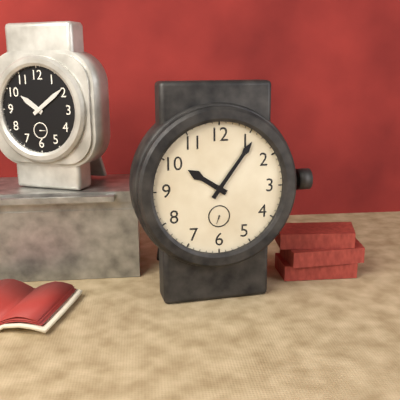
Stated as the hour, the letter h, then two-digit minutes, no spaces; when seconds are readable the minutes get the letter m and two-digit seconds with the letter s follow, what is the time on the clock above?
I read 10h06
